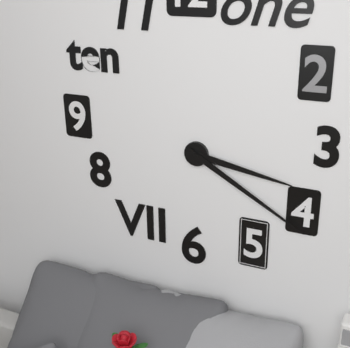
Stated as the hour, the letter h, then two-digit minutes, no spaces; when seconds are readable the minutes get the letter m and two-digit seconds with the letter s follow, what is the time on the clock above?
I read 3h20
